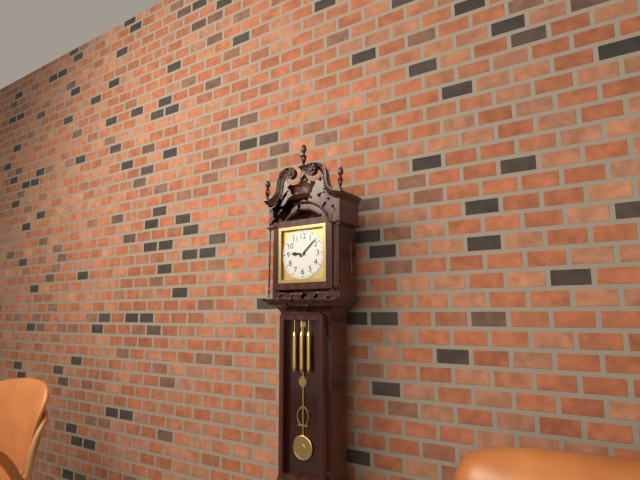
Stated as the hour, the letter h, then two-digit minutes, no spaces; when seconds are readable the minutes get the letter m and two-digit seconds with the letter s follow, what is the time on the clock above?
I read 9h08
